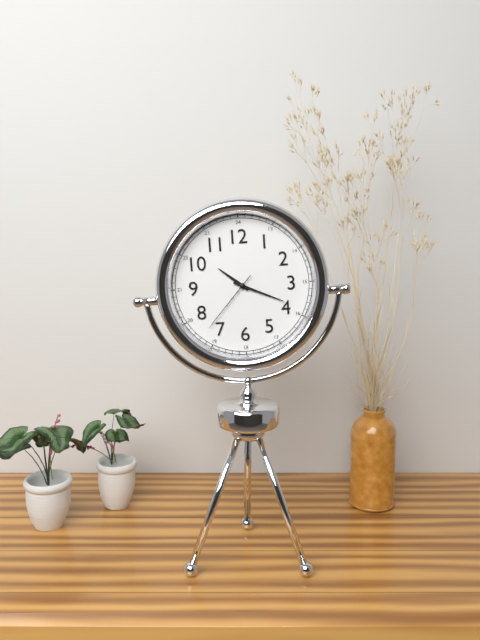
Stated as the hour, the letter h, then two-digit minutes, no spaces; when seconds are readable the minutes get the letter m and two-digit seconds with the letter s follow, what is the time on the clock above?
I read 10h19m37s
